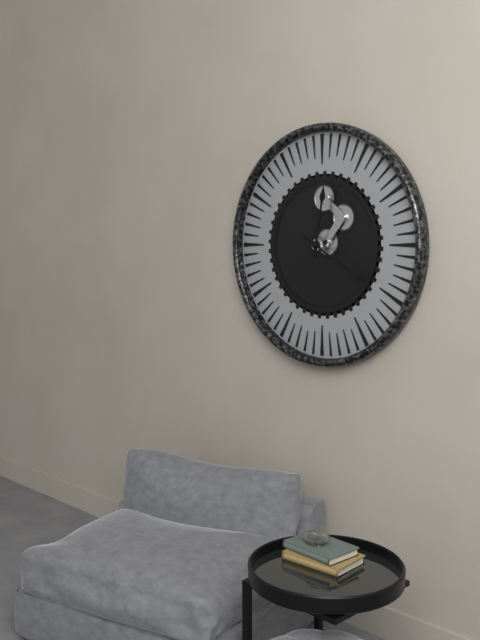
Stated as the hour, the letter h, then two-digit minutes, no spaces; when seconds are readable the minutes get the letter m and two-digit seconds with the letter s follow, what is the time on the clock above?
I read 12h20
